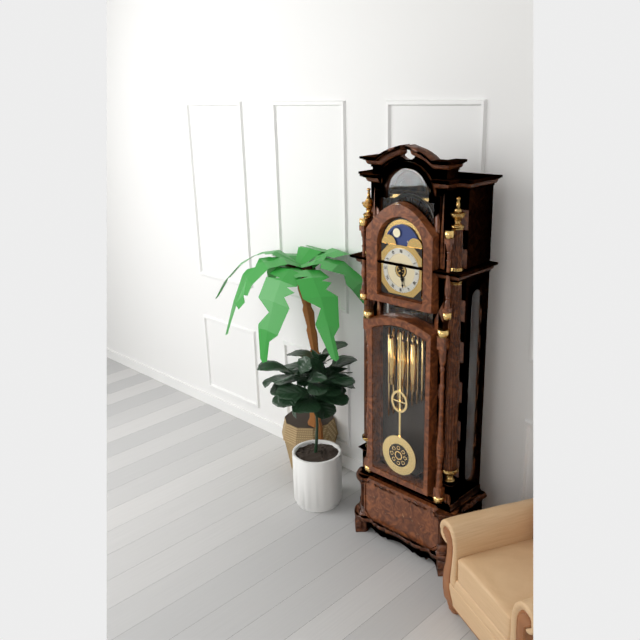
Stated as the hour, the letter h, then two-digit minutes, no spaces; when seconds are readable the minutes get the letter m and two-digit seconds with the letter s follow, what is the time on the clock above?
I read 5h28
